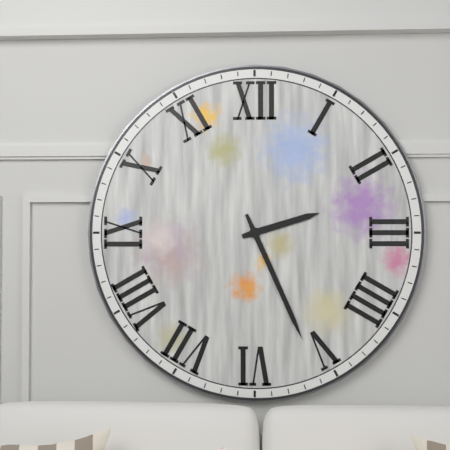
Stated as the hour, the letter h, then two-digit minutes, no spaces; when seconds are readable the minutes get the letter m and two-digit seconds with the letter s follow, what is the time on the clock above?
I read 2h26
